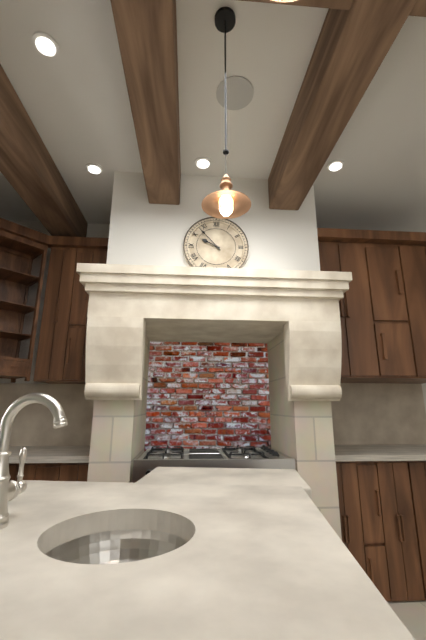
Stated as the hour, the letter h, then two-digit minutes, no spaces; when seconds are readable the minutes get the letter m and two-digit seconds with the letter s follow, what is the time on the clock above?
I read 9h53
